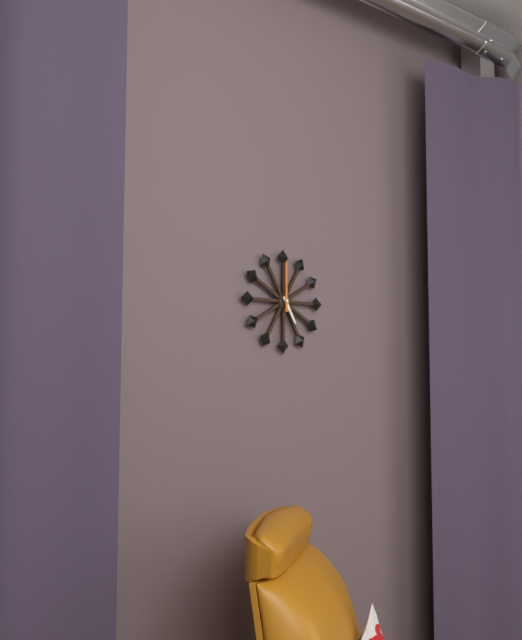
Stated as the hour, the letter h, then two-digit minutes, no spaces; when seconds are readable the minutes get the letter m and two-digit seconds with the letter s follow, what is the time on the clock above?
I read 5h00
